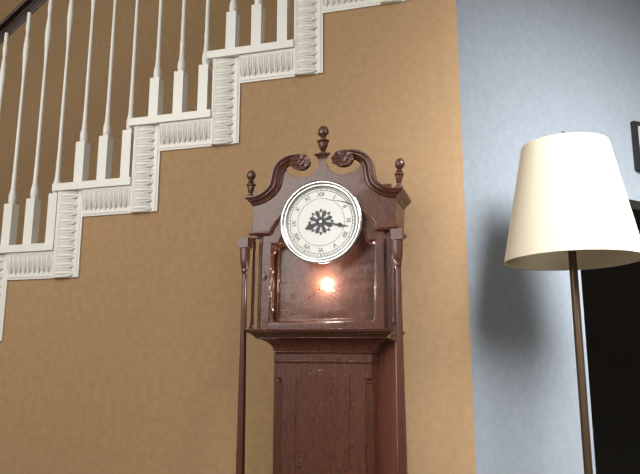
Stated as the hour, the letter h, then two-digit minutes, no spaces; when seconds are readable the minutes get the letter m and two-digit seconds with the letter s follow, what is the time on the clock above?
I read 8h17
